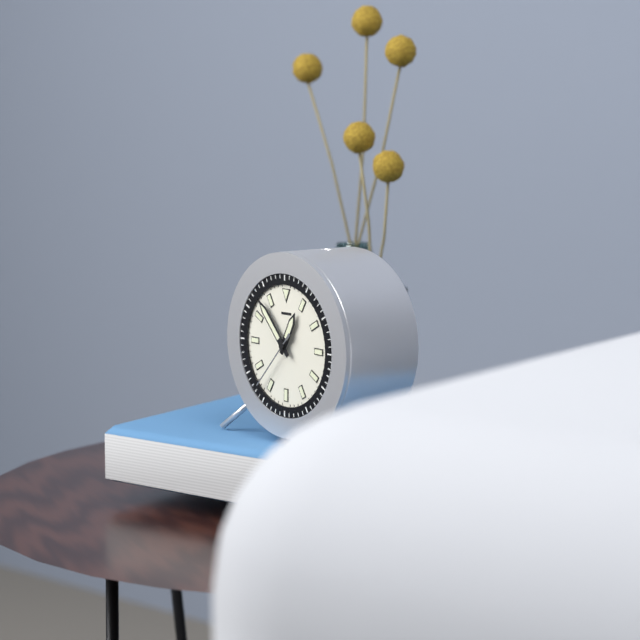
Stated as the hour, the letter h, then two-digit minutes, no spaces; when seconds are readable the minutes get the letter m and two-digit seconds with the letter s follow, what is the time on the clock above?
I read 12h53m37s
